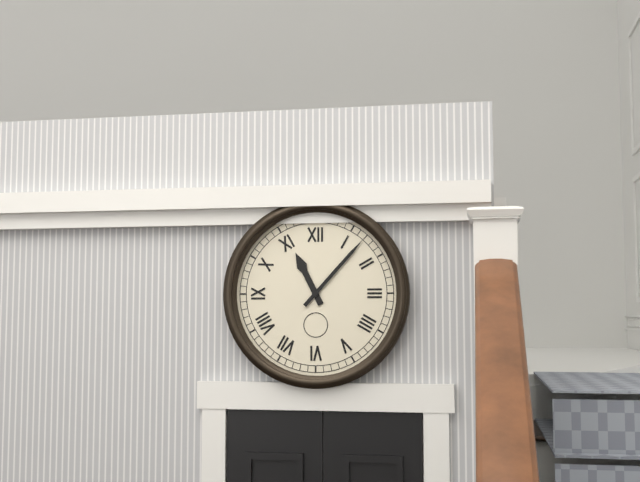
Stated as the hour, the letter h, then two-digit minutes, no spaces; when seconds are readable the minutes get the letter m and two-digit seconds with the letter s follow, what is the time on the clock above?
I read 11h07
